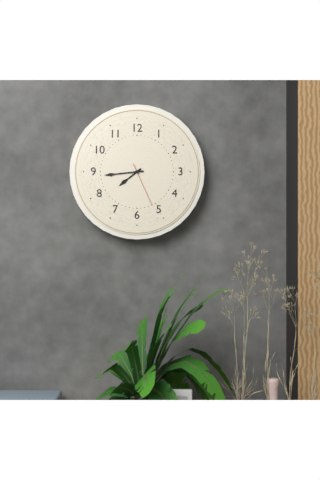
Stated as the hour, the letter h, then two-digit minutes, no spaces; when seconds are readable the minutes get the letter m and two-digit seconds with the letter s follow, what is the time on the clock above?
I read 7h44
